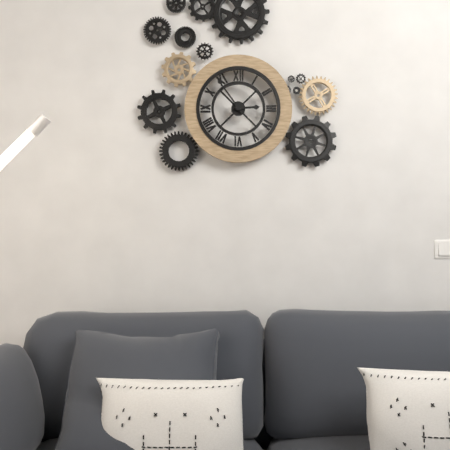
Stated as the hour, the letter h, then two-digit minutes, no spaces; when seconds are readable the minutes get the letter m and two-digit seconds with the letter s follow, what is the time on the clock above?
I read 2h54
